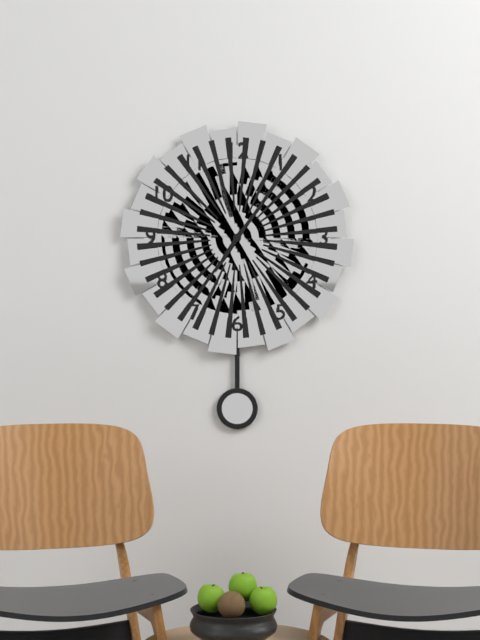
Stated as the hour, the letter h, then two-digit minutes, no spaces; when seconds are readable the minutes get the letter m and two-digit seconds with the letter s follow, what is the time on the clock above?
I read 7h06
